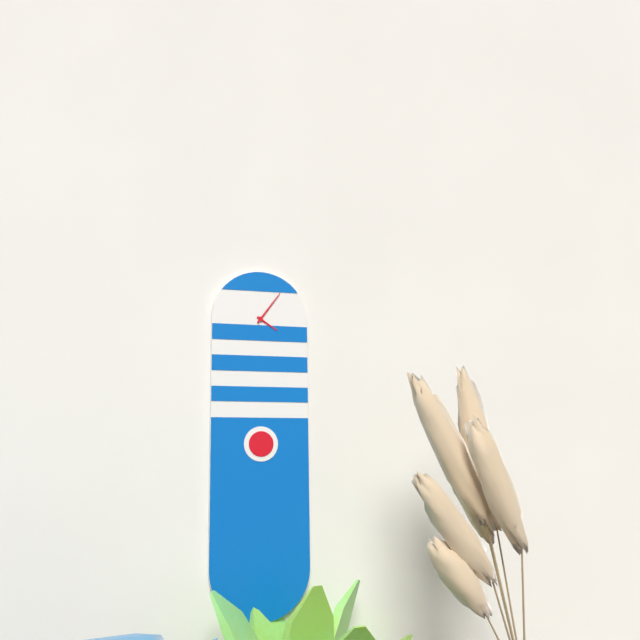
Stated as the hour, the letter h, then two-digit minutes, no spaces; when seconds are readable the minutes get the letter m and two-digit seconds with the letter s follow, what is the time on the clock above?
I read 4h06
